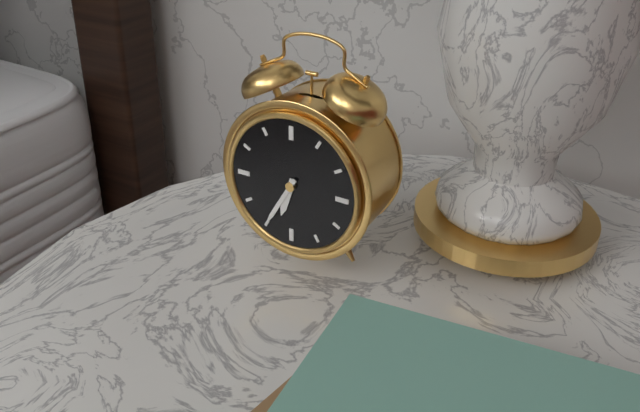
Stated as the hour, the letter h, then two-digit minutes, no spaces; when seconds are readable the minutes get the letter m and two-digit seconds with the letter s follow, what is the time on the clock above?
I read 6h35
